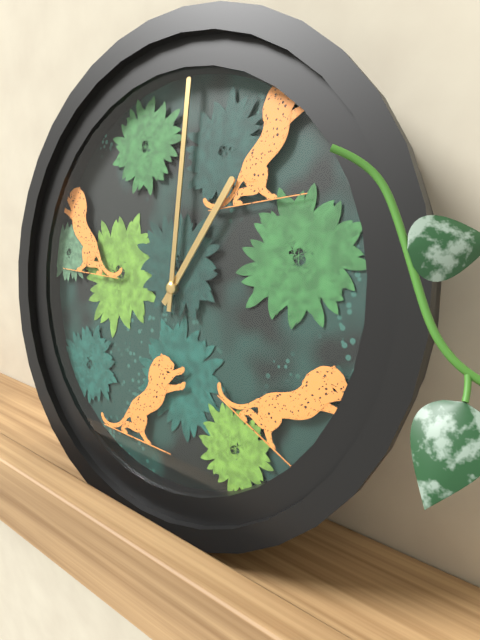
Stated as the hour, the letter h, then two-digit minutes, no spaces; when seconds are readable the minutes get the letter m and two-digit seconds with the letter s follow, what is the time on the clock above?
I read 1h00
